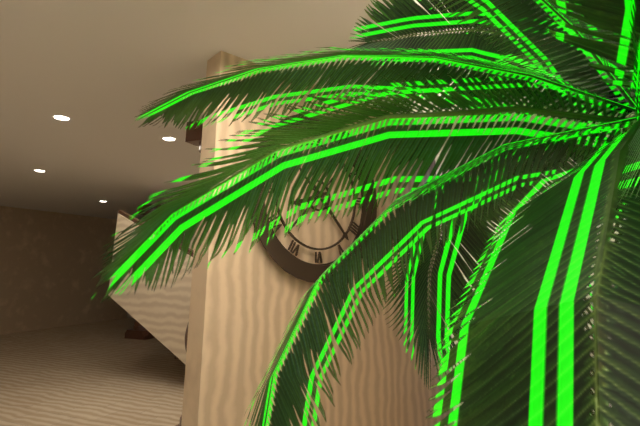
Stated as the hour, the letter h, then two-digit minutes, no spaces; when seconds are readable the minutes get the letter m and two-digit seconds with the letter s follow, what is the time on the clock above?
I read 8h23
